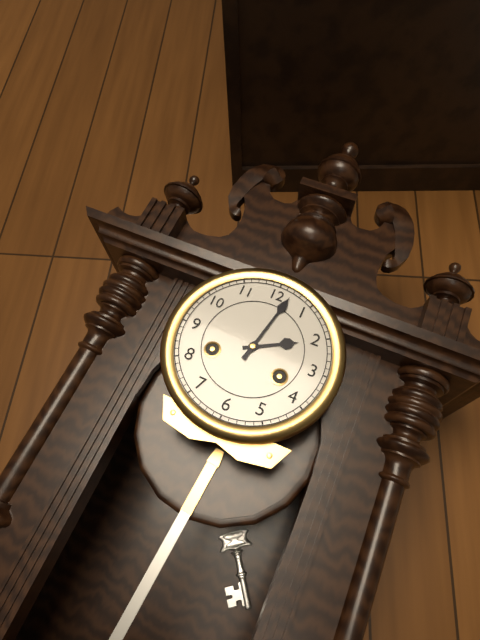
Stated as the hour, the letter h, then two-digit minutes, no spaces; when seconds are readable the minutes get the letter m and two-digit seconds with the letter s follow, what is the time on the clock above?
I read 2h02
